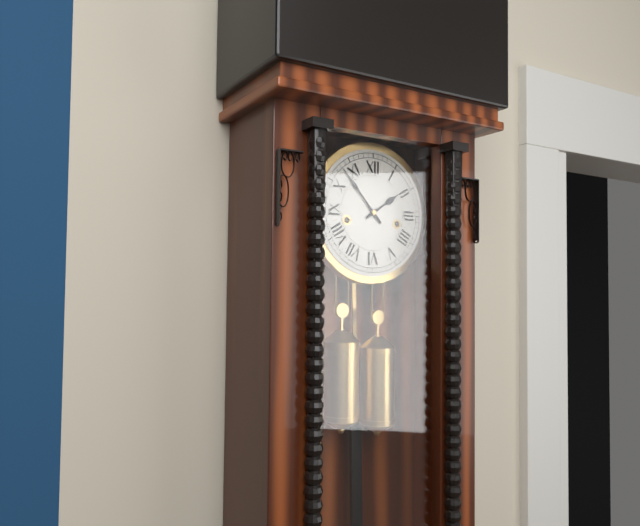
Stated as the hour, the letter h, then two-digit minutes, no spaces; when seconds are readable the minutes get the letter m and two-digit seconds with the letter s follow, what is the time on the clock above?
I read 1h53
